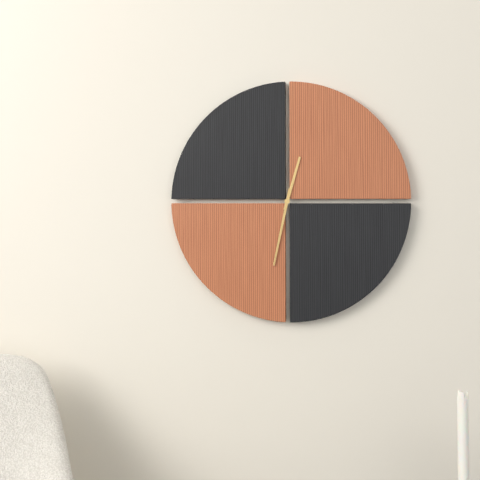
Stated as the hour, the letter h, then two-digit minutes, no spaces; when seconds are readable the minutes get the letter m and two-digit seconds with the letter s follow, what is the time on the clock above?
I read 12h32
